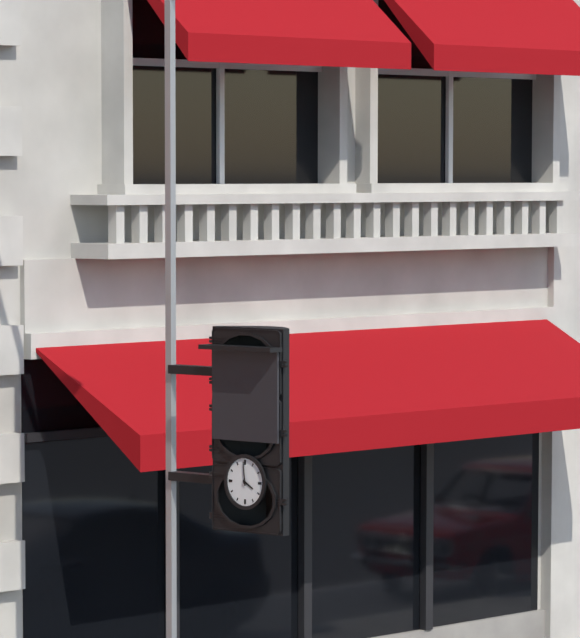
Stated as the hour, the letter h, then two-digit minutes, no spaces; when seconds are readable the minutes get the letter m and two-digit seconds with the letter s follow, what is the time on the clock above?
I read 3h59
